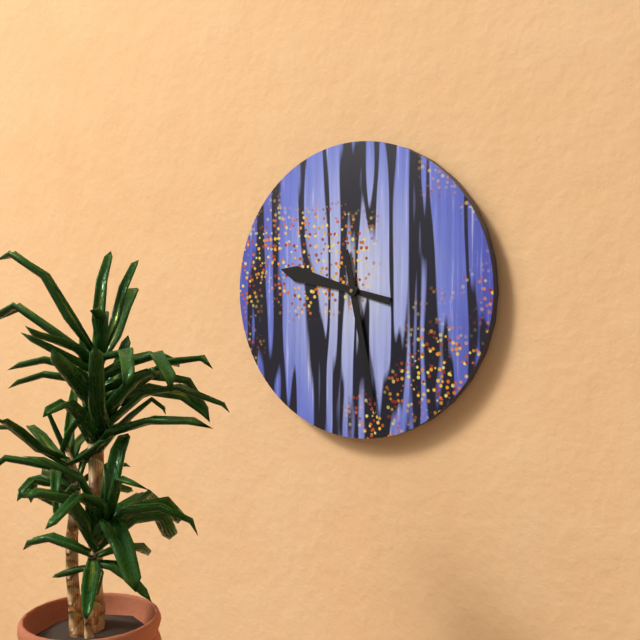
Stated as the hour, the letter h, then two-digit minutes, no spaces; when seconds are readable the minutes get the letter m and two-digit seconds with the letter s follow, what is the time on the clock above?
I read 9h28
